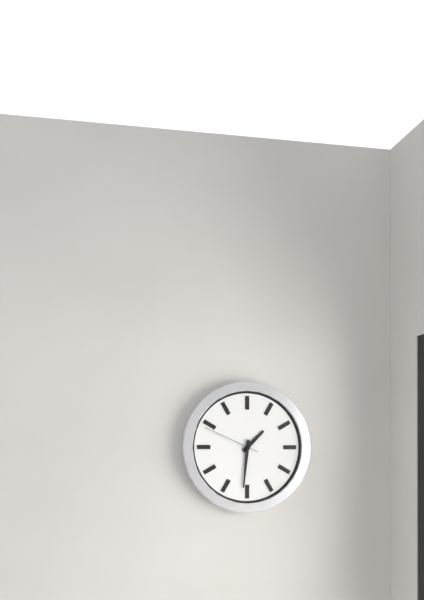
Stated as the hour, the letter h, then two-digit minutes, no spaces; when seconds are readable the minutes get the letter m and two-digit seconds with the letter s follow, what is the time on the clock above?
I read 1h31m49s
